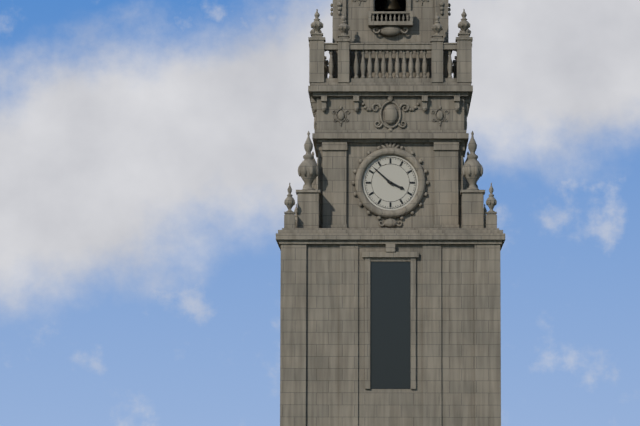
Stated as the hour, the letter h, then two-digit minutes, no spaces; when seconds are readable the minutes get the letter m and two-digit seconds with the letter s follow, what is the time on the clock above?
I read 3h52
